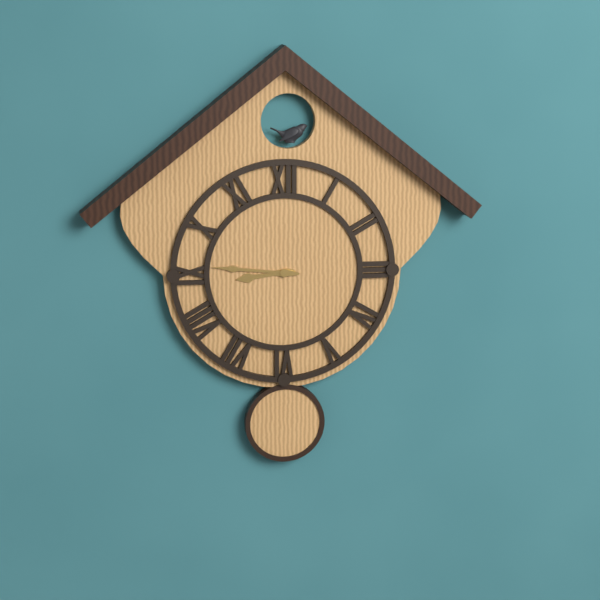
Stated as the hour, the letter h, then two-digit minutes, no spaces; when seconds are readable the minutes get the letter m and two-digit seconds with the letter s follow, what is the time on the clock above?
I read 8h46
